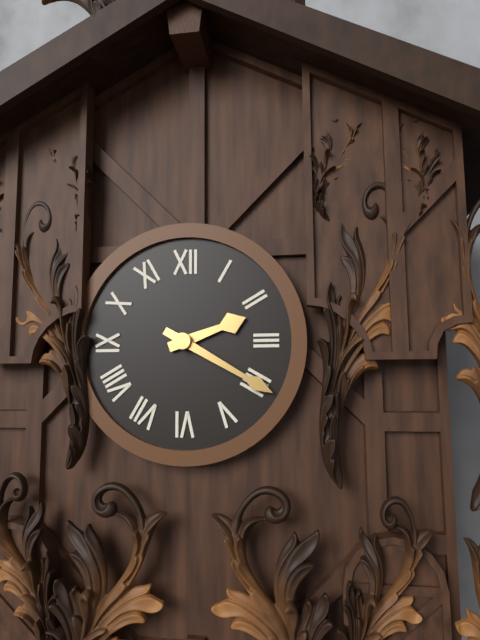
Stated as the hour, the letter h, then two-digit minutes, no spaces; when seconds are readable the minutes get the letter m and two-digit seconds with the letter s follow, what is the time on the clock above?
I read 2h20
